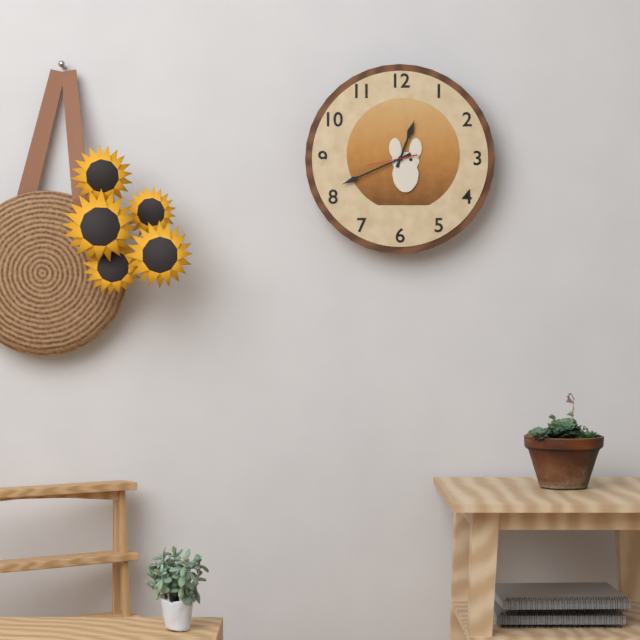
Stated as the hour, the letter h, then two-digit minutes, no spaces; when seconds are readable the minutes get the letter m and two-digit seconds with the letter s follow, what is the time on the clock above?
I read 12h41
